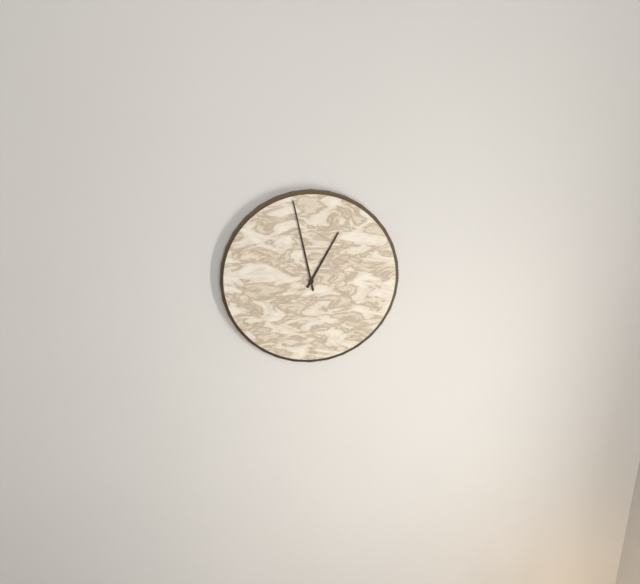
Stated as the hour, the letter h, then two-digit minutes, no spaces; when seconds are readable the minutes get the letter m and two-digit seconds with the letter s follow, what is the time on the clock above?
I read 12h58
